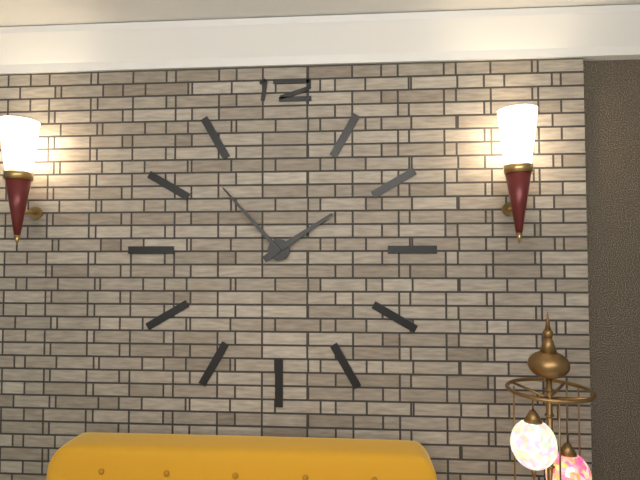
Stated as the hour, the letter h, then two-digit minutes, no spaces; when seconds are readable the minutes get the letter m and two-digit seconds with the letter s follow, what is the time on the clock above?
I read 1h53
